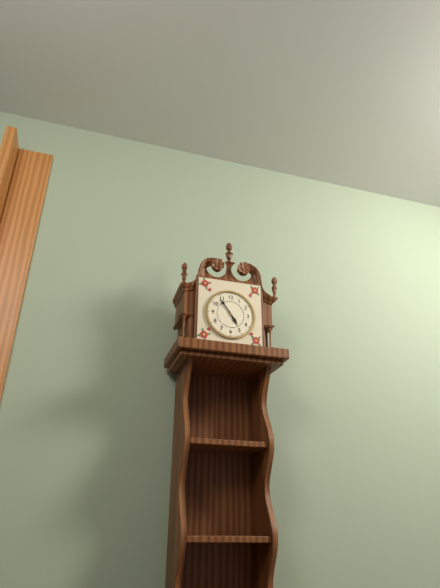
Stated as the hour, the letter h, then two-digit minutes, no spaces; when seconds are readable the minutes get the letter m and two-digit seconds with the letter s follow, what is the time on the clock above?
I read 4h54
